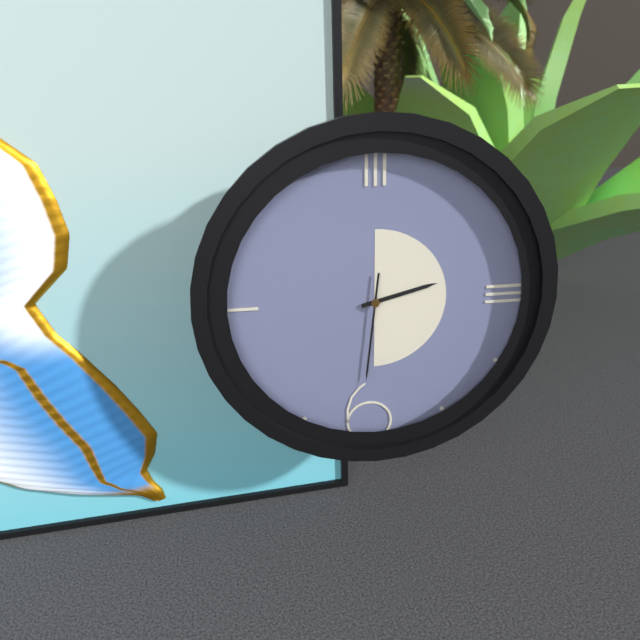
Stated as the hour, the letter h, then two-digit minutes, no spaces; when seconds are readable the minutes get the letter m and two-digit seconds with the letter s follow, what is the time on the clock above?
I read 2h31
